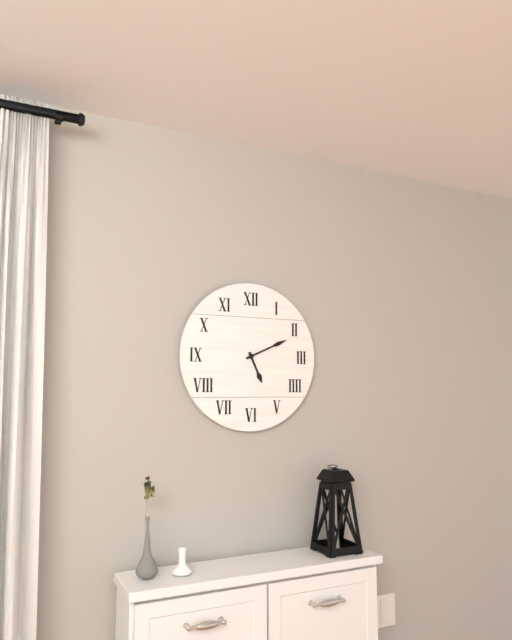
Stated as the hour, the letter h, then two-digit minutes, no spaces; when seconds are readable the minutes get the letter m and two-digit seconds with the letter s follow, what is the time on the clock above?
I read 5h11
